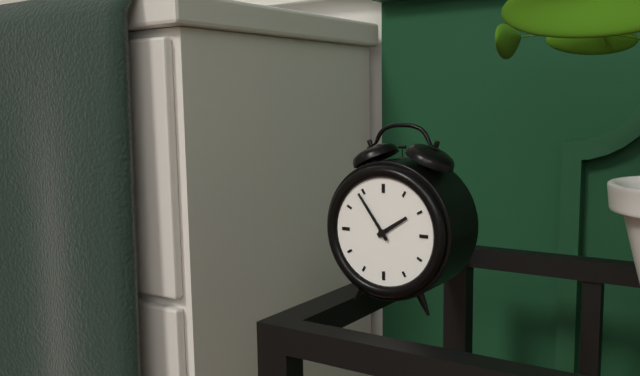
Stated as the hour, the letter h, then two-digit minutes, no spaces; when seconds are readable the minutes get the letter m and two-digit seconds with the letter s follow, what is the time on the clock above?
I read 1h54
